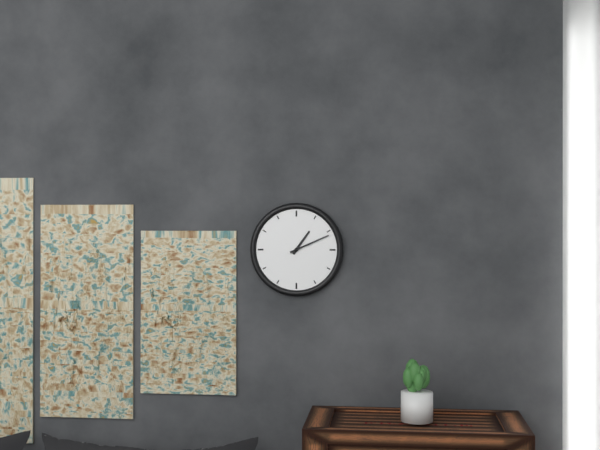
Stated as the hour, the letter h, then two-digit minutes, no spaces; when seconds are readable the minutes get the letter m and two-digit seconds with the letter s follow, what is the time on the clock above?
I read 1h11
